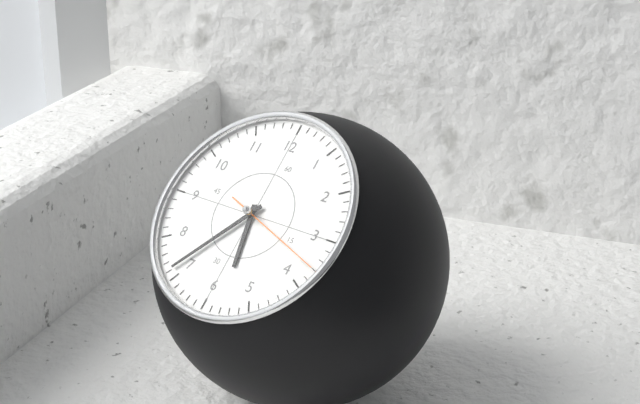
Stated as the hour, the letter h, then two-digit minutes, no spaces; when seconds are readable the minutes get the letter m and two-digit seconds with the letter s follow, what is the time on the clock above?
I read 5h36
